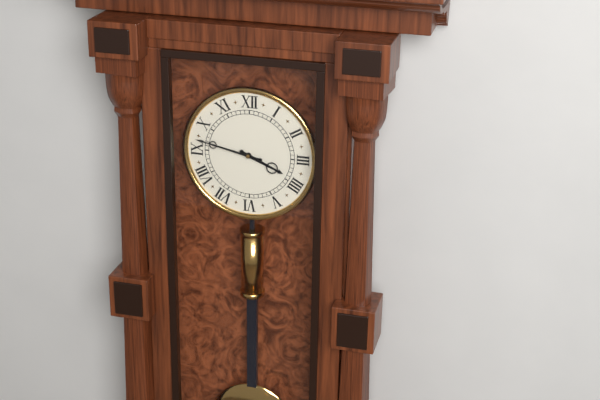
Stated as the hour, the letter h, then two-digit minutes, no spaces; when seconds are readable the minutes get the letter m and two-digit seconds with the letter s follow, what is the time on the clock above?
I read 3h47
